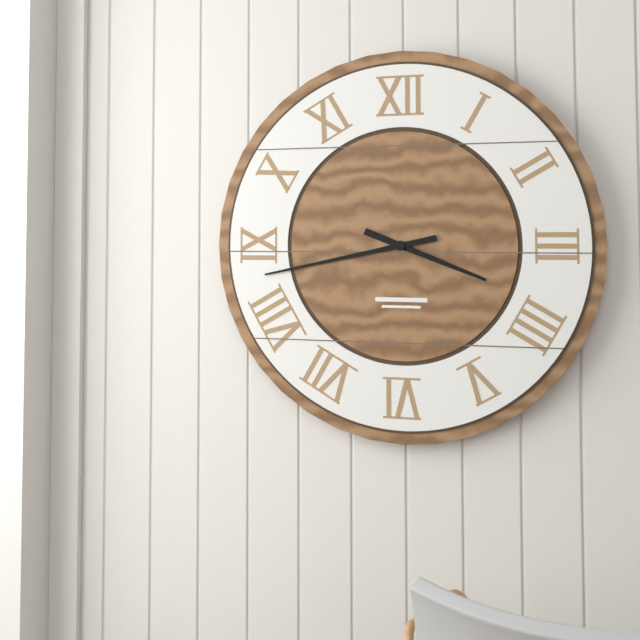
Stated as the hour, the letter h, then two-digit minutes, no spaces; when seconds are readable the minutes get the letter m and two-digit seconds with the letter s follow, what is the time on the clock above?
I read 3h43
